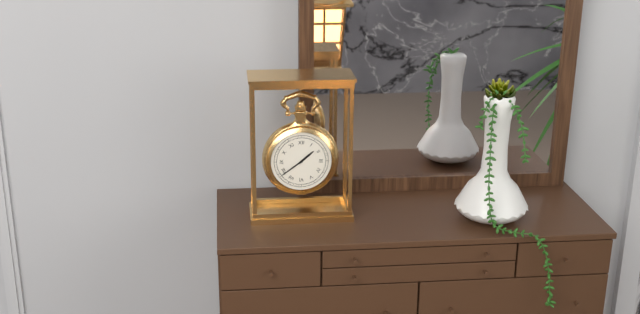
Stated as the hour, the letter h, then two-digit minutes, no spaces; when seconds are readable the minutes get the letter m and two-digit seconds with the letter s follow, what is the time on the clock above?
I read 1h39
